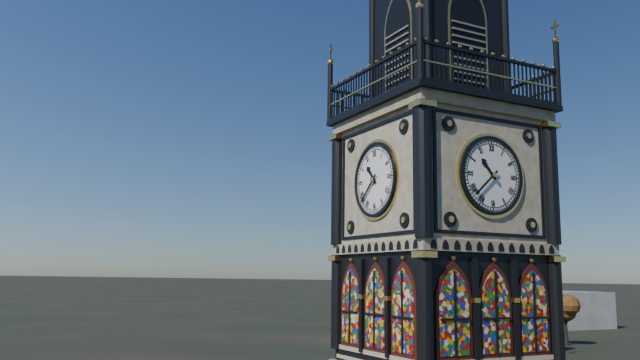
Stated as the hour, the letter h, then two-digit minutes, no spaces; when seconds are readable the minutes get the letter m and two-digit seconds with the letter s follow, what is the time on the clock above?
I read 10h38
